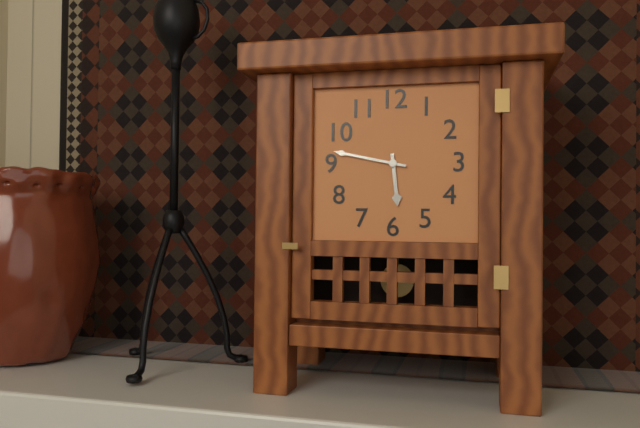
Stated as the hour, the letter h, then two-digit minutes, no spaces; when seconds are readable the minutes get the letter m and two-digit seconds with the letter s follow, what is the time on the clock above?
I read 5h47
